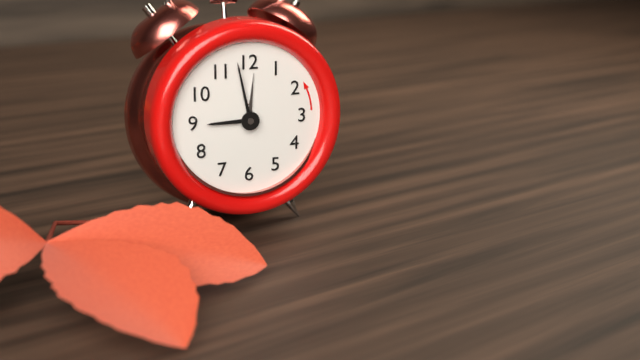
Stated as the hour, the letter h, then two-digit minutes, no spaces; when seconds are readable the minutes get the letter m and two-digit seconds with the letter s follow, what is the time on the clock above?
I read 8h58m01s
